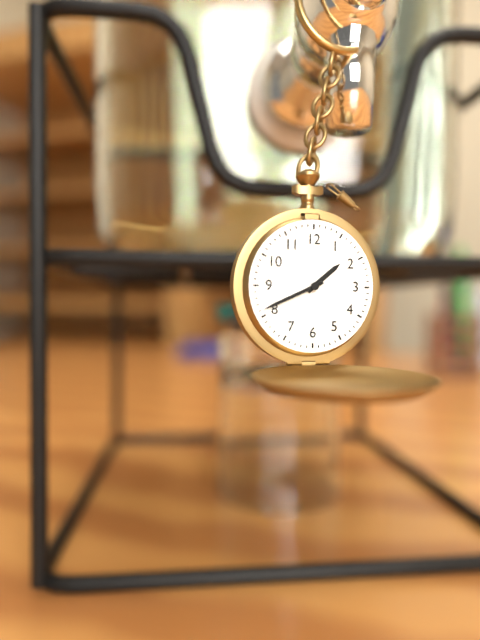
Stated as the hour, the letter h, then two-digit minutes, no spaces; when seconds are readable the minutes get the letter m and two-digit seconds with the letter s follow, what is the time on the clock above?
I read 1h41
